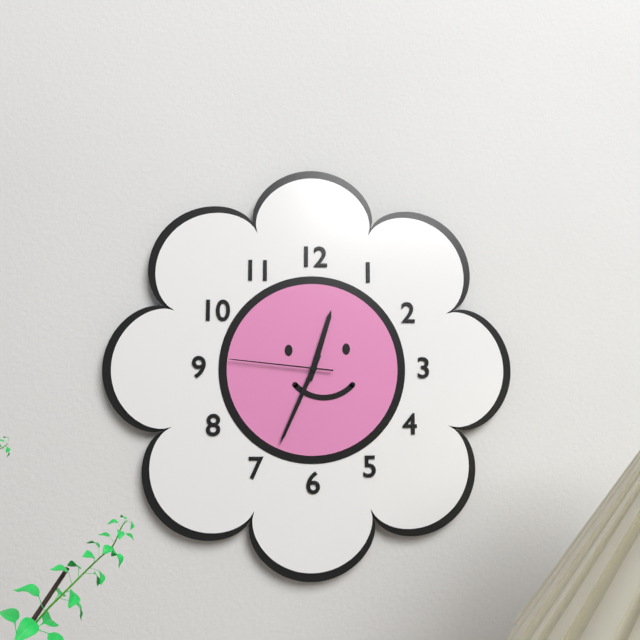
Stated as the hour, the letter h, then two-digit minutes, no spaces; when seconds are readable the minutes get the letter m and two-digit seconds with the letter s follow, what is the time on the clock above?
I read 12h34m46s
